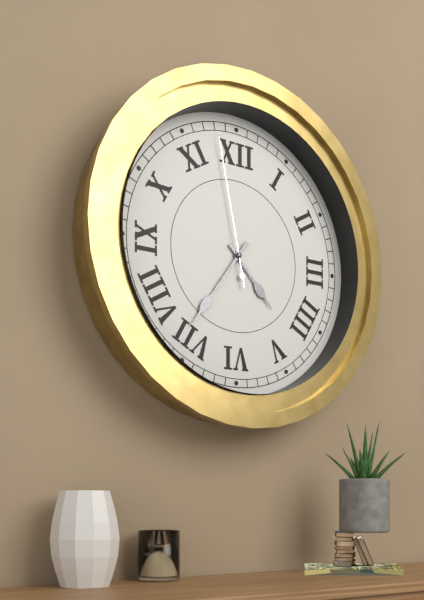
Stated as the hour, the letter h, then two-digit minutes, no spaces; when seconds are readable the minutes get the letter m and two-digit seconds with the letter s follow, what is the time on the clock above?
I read 4h36m58s
